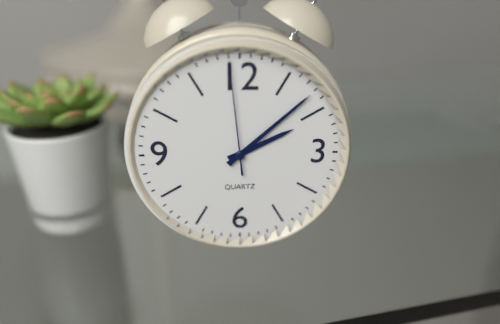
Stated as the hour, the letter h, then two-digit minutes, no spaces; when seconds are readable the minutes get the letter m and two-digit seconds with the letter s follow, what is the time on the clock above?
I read 2h08m59s
